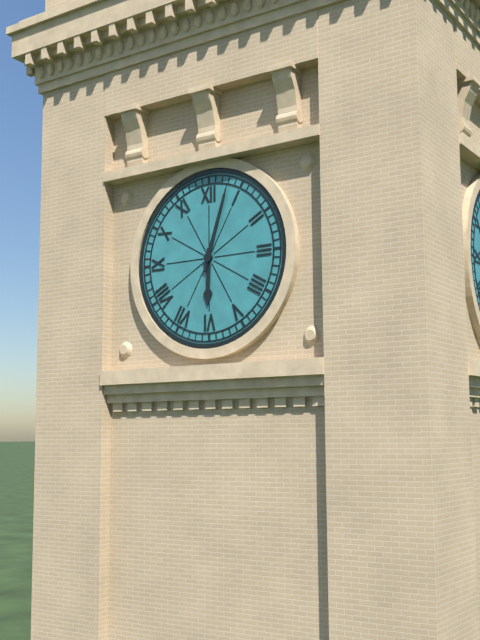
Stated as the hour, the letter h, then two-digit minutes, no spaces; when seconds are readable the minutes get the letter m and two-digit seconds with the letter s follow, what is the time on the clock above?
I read 6h03
